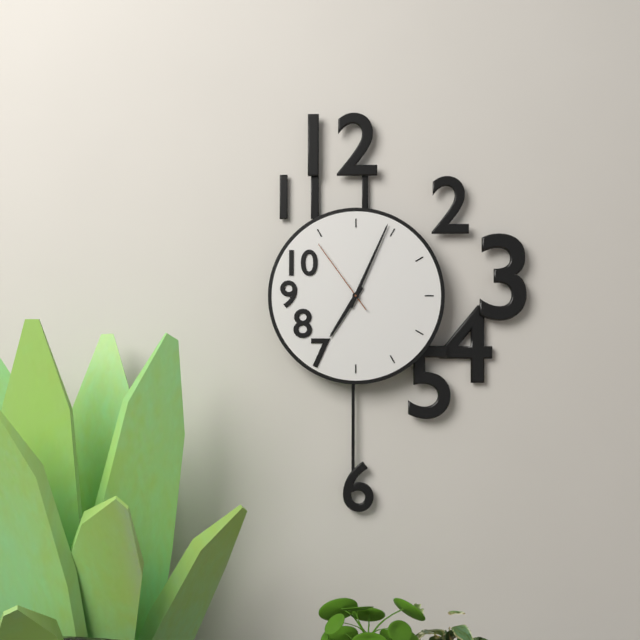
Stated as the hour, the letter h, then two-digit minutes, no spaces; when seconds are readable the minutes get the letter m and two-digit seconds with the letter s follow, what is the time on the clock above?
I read 7h04m54s
